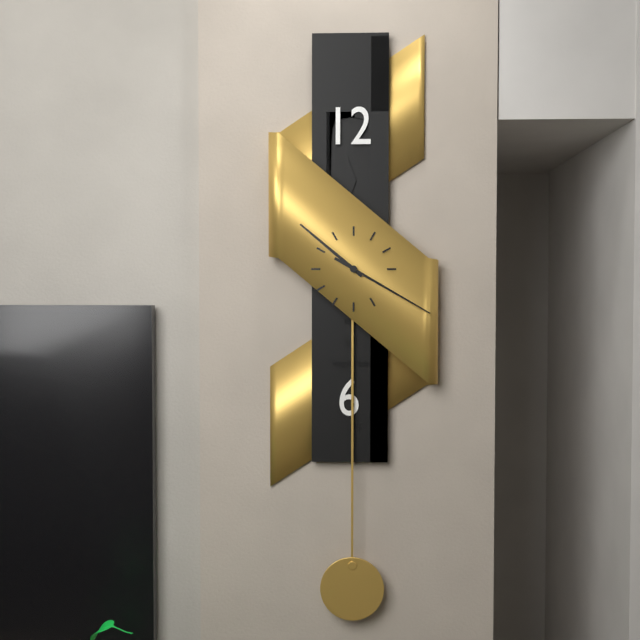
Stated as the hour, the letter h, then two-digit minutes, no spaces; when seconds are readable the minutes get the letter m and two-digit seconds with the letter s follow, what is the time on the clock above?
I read 10h20
